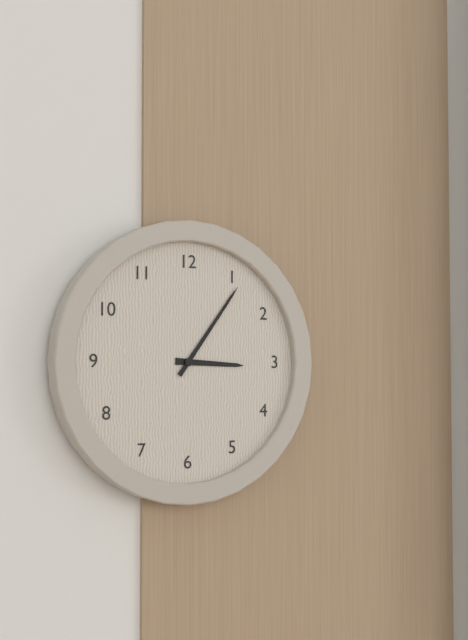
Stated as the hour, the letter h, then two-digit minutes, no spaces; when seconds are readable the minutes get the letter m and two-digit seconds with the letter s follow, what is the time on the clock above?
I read 3h06
